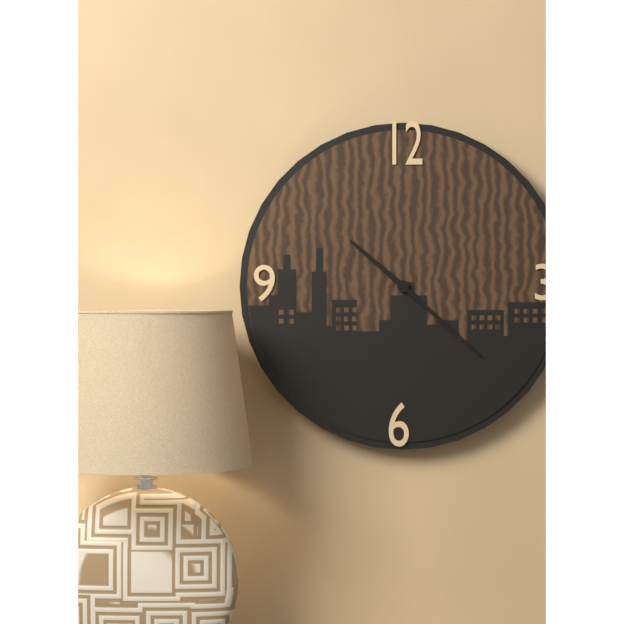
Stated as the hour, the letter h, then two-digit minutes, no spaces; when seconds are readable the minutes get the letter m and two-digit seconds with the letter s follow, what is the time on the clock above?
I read 10h22
